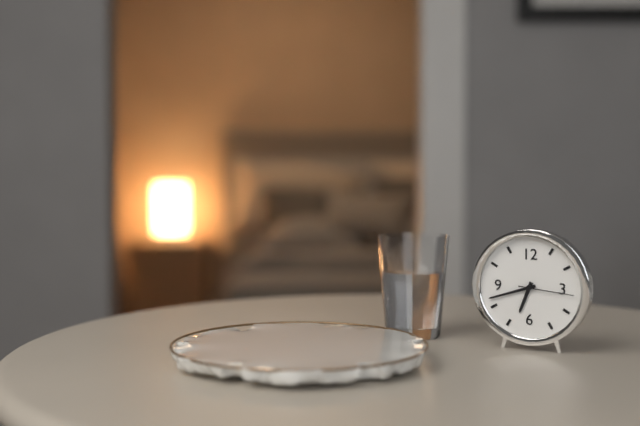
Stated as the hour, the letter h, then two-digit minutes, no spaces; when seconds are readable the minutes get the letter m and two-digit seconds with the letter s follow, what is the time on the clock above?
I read 6h42m16s
